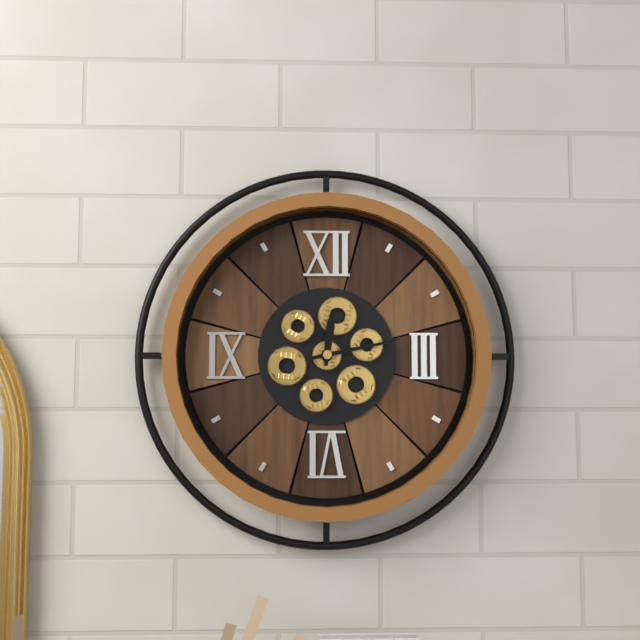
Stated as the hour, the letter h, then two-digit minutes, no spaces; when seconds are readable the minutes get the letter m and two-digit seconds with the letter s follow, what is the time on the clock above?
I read 12h13
